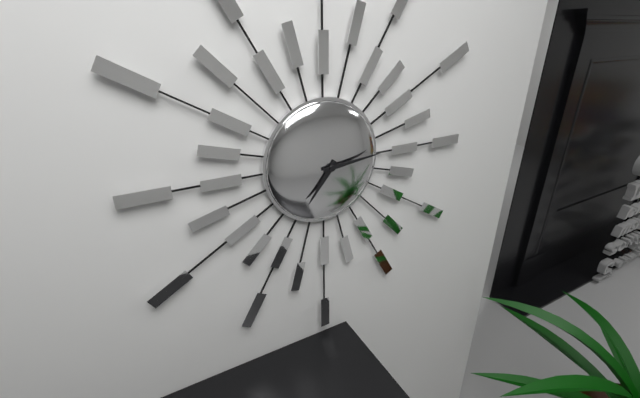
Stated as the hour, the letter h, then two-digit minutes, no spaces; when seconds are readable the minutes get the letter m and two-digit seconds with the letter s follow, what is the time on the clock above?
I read 7h14
